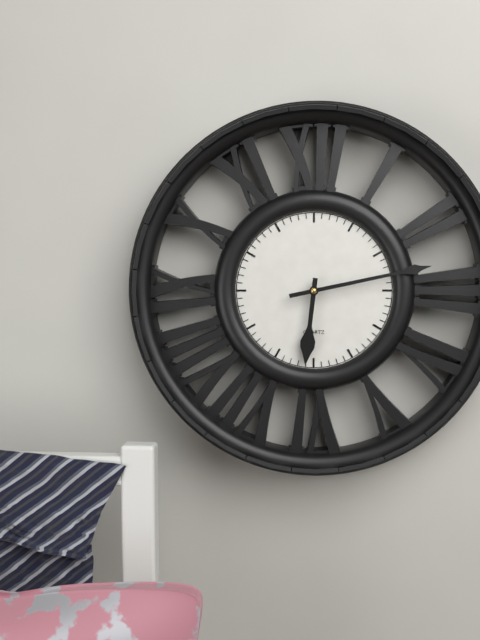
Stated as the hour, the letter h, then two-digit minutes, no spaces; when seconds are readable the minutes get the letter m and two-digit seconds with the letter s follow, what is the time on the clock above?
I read 6h13
